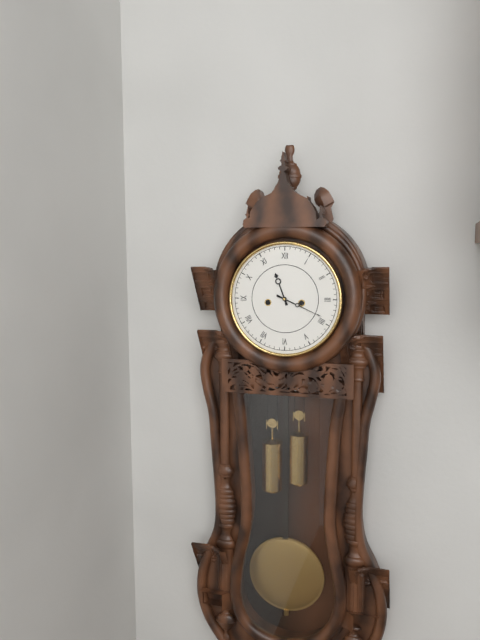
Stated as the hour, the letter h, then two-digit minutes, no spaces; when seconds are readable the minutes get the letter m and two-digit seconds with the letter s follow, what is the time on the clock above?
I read 11h19
